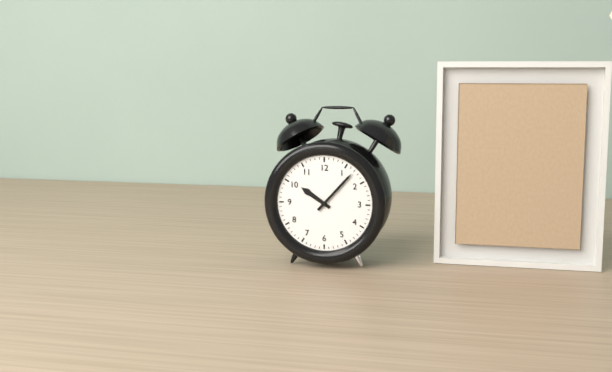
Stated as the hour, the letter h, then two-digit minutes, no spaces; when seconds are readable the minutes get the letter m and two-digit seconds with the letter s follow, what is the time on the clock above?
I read 10h07
